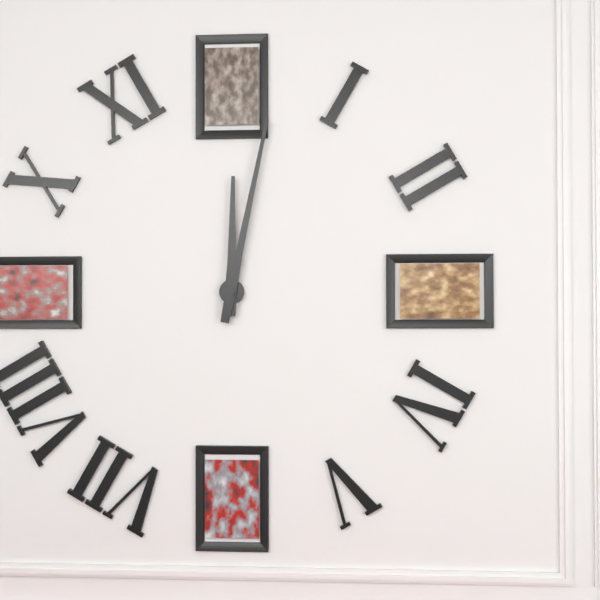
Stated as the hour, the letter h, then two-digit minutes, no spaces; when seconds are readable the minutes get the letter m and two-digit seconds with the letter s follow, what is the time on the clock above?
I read 12h02
